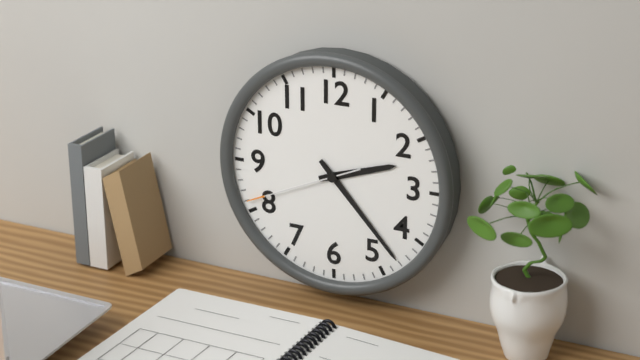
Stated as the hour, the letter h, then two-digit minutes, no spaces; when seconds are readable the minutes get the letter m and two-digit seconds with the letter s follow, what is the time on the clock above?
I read 2h23m41s
